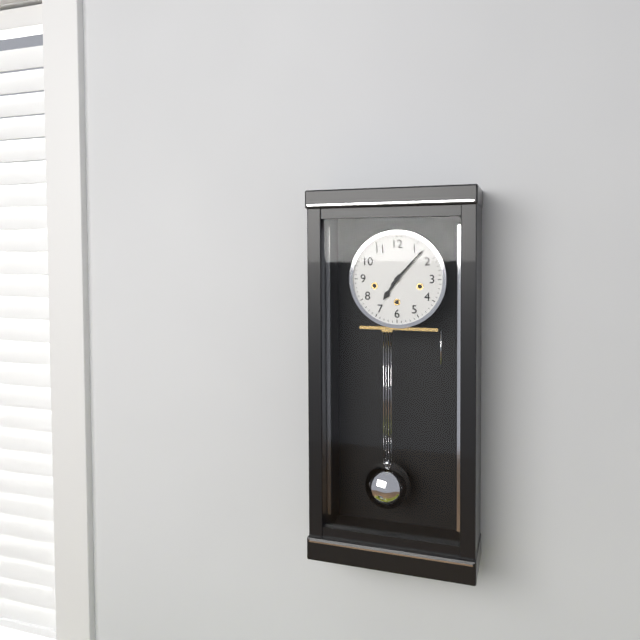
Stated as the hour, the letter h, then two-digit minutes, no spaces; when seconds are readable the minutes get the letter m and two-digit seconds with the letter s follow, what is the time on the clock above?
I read 7h07
